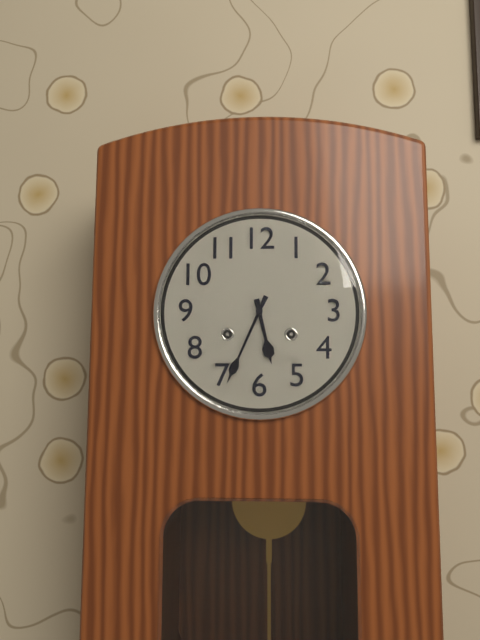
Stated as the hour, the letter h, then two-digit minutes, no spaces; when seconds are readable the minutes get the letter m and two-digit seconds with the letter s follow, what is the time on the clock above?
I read 5h34
